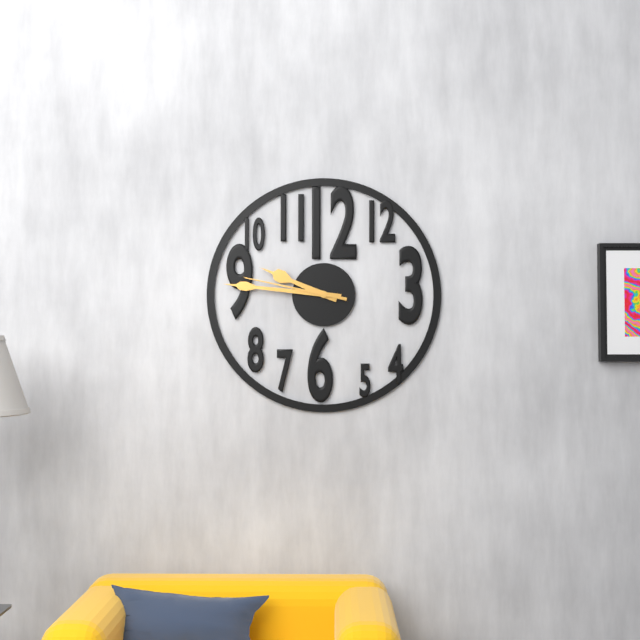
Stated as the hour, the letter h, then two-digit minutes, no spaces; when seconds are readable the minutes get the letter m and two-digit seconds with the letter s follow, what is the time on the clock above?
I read 9h46m47s
